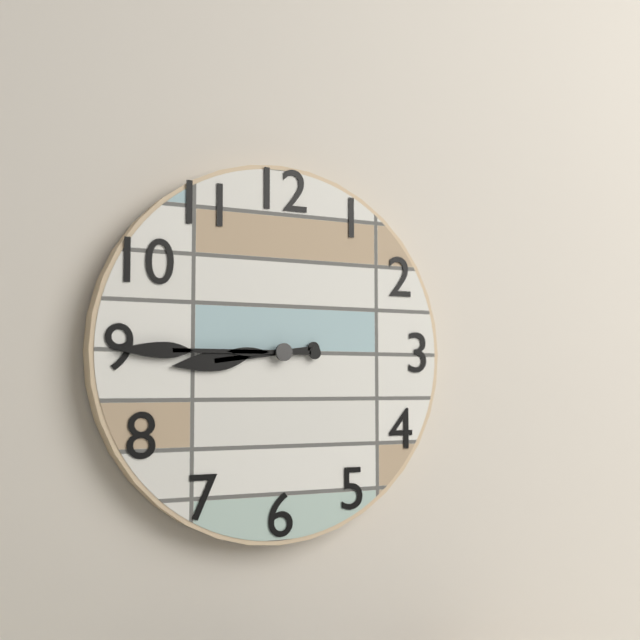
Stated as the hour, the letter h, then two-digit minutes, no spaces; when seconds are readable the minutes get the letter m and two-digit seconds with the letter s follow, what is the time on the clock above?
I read 8h45
